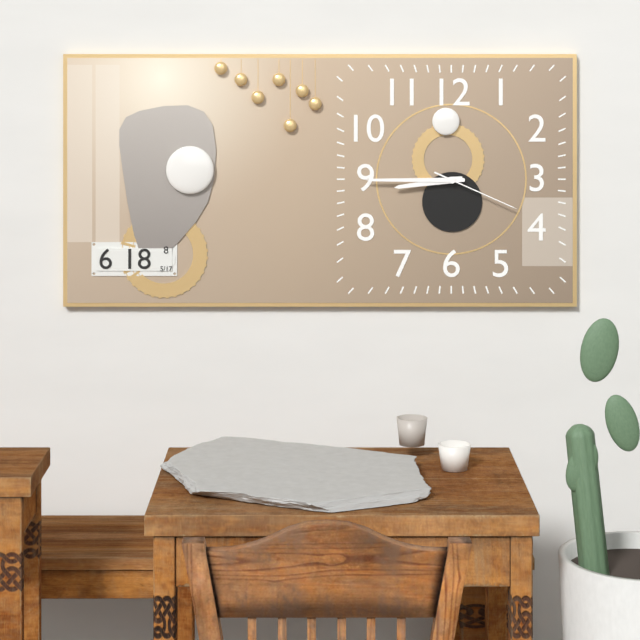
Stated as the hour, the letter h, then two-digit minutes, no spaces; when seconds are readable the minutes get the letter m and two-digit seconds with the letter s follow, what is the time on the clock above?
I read 8h45m19s
